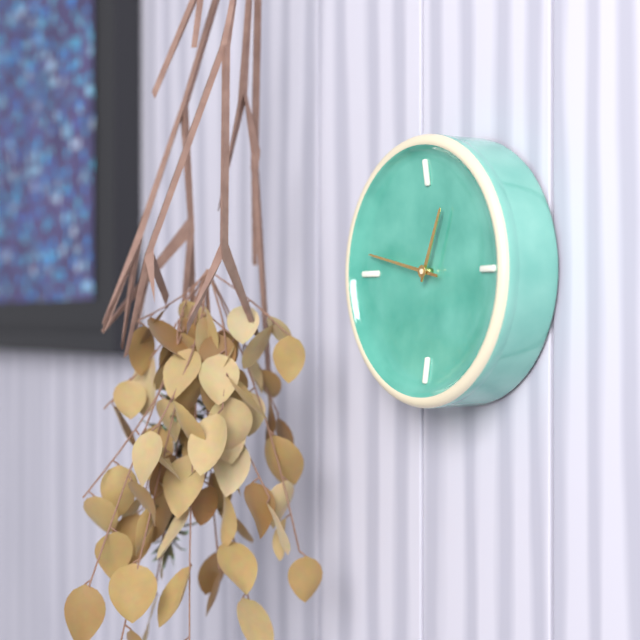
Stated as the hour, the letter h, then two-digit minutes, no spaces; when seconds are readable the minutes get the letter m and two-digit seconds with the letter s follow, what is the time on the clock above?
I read 12h47
